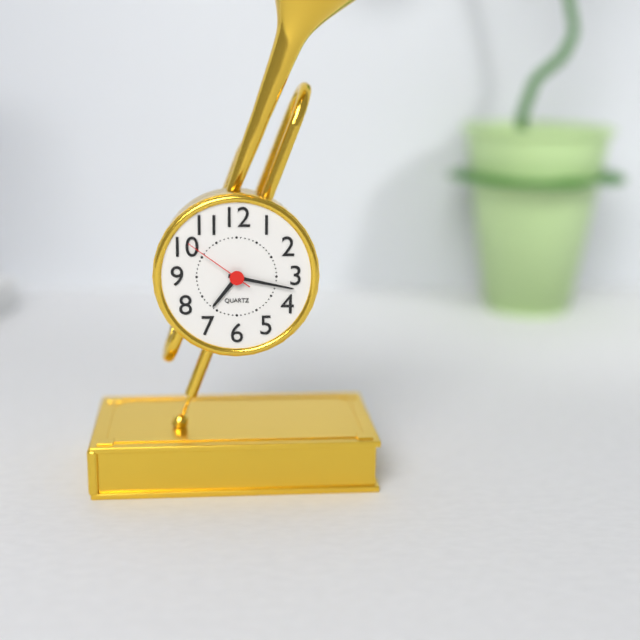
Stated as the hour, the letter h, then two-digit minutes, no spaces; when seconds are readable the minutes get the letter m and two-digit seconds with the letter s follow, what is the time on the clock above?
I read 7h17m51s
